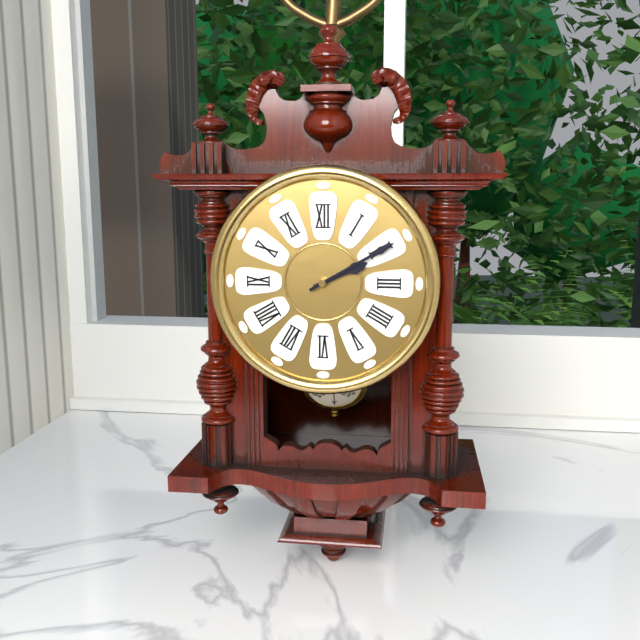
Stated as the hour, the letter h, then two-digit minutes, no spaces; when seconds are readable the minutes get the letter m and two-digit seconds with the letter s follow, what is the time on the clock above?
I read 2h10
